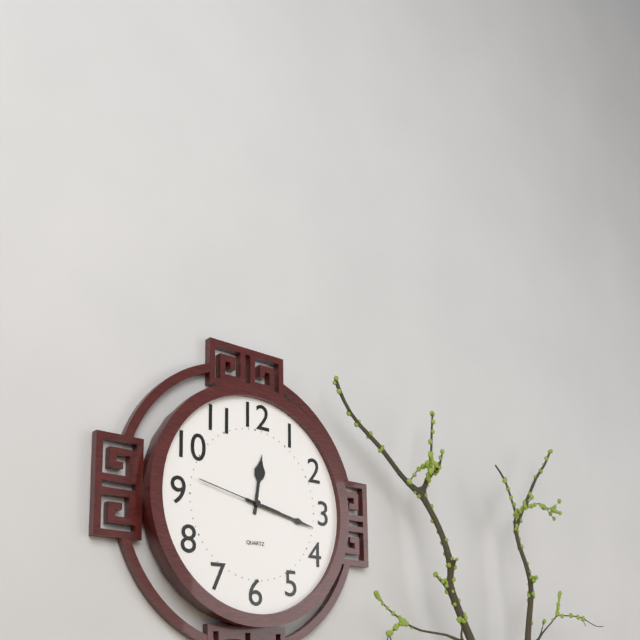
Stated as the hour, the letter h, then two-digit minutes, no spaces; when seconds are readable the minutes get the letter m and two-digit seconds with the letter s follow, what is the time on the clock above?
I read 12h17m47s
